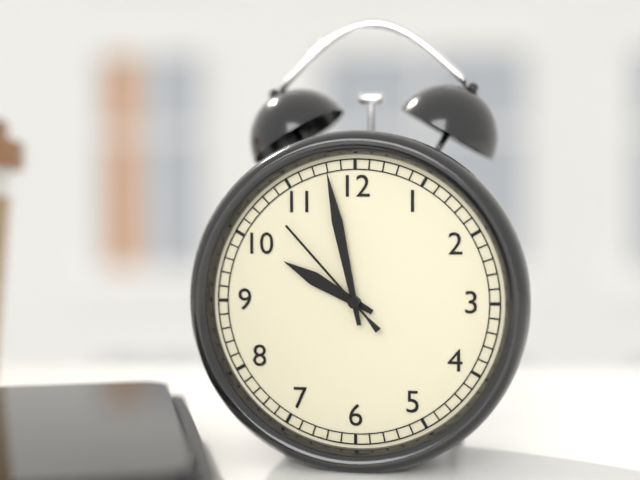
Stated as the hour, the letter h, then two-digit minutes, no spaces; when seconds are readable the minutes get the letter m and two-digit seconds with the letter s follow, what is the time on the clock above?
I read 9h58m53s
